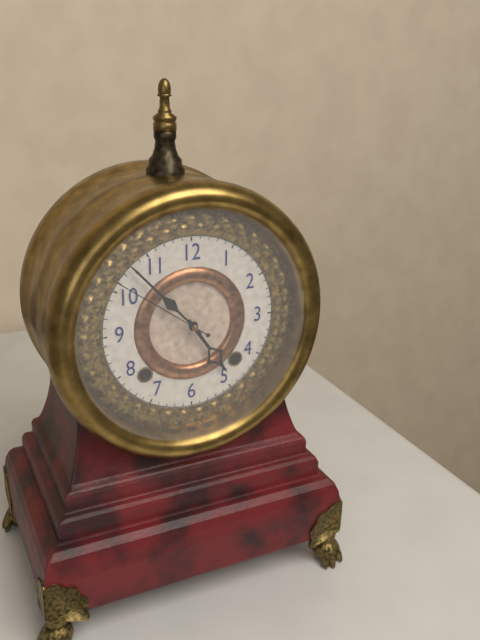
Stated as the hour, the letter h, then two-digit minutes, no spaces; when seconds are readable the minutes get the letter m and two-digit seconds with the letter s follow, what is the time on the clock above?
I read 4h53m51s
